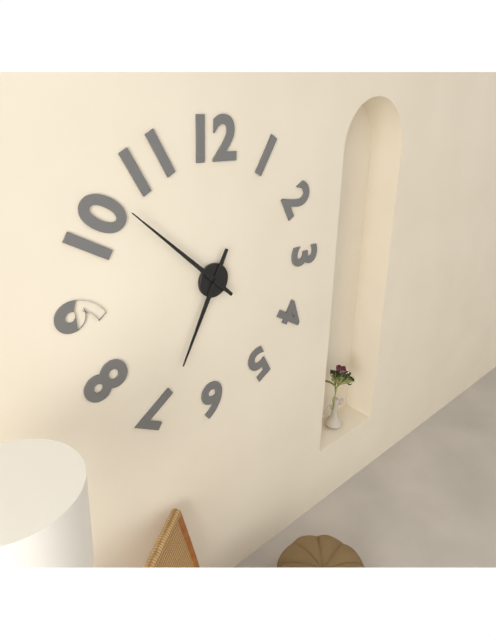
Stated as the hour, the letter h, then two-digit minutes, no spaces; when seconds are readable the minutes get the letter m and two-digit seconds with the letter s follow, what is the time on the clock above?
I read 6h52
